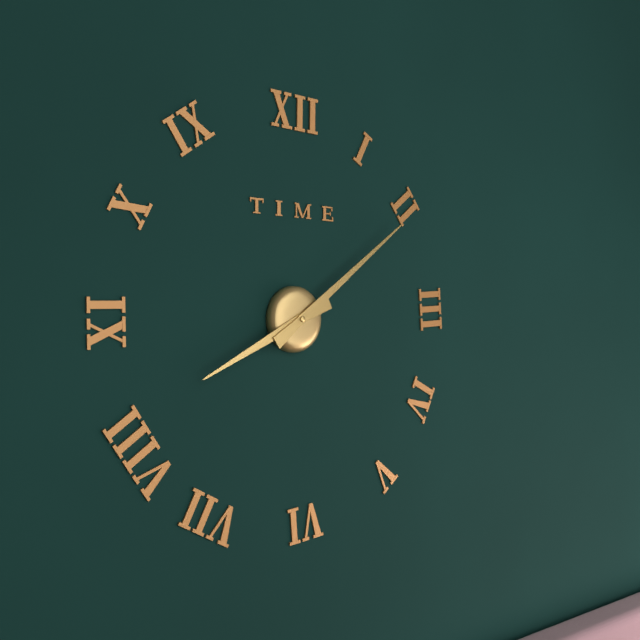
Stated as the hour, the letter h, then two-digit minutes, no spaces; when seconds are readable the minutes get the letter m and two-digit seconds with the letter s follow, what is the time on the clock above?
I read 8h09
